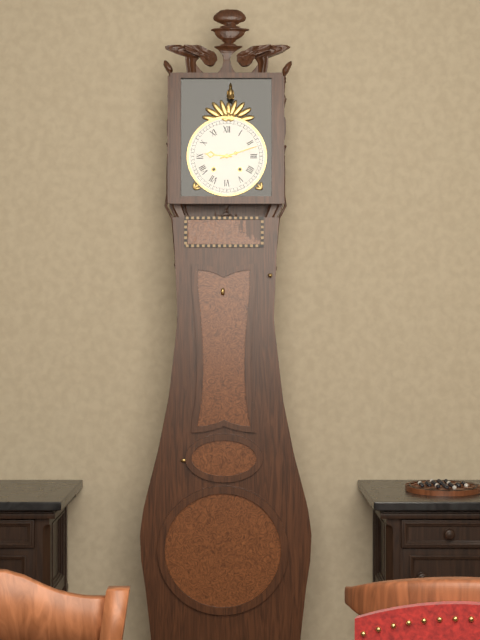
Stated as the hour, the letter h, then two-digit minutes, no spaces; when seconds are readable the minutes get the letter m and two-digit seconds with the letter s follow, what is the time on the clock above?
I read 9h12
